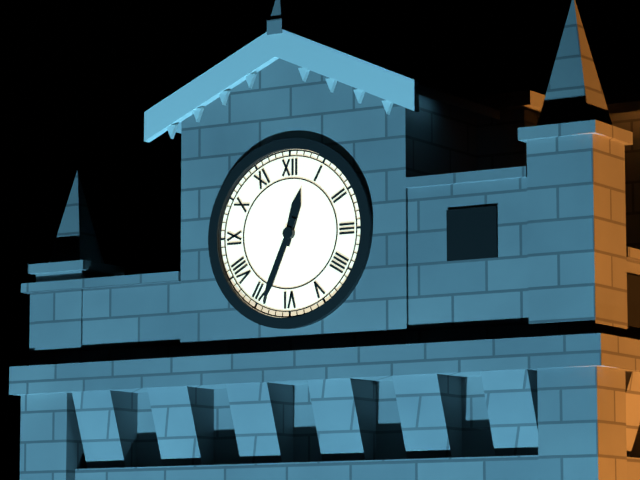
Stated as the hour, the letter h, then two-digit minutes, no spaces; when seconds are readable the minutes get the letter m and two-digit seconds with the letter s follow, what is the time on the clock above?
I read 12h34
